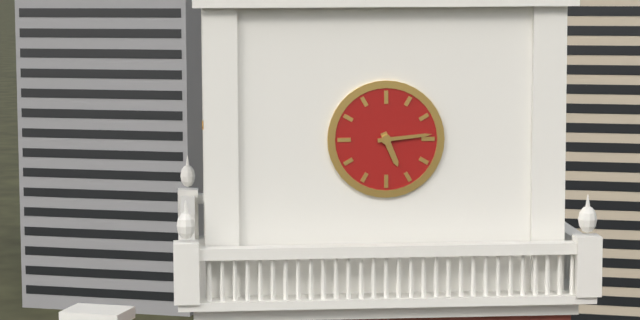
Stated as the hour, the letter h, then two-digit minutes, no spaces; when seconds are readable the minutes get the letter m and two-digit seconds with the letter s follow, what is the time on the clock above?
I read 5h14
